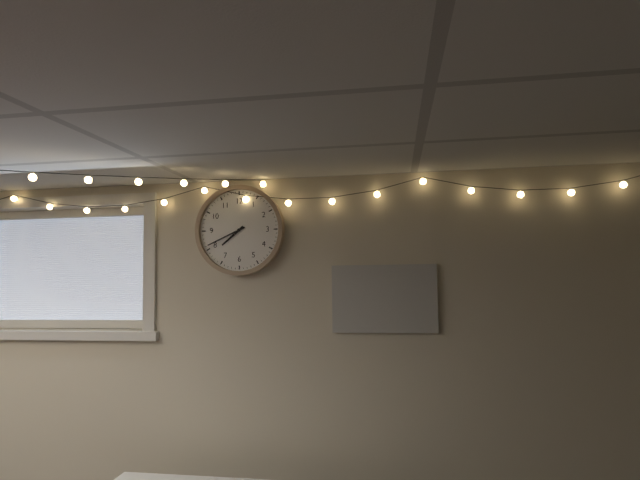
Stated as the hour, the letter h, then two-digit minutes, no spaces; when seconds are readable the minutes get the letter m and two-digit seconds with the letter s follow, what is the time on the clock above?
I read 7h41
